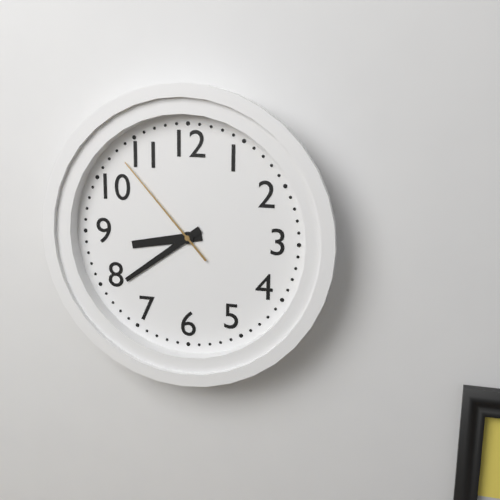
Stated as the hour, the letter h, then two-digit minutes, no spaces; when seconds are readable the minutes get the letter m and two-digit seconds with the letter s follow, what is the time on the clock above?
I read 8h39m53s
